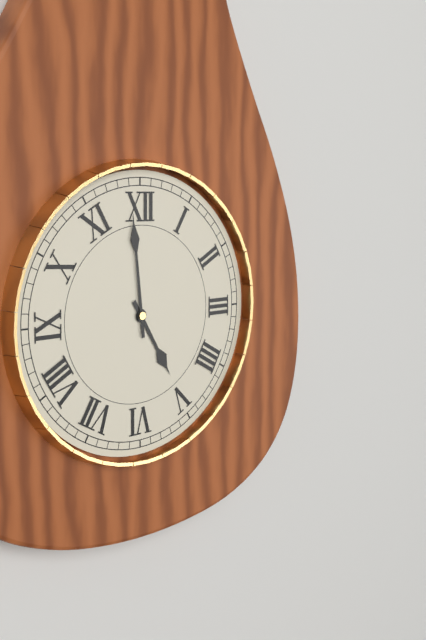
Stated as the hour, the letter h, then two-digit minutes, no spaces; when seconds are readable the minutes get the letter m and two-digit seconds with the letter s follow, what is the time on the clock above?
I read 4h59
